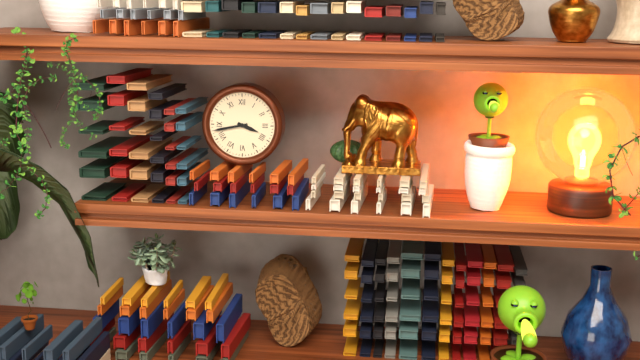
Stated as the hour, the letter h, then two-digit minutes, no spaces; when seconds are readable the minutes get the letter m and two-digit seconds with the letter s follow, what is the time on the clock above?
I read 3h43
